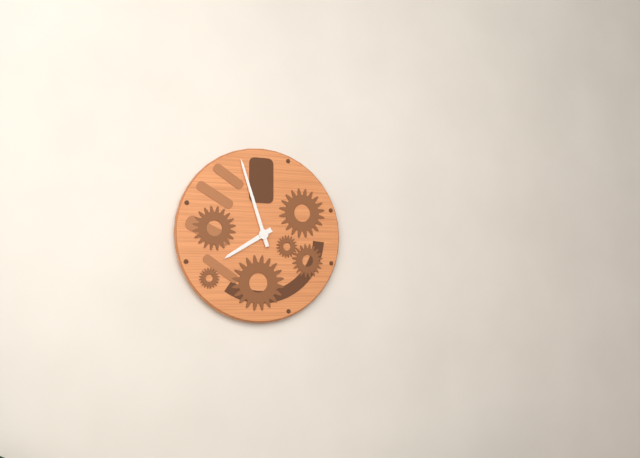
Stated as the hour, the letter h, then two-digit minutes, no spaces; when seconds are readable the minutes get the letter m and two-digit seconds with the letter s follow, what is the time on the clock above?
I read 7h57
